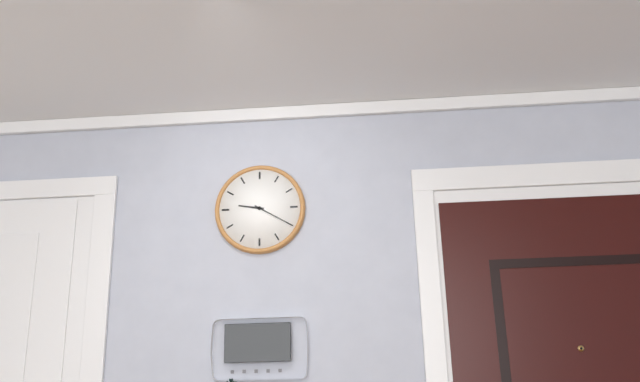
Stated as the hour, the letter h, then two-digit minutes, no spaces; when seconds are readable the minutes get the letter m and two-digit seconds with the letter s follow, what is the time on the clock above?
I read 9h20
